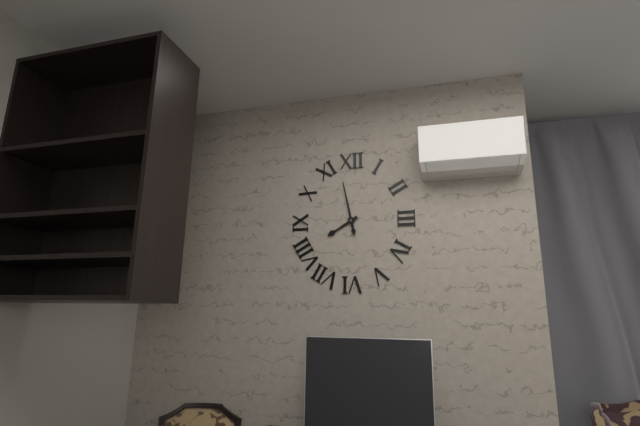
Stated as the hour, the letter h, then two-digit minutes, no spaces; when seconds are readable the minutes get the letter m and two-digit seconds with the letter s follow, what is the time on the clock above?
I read 7h58
